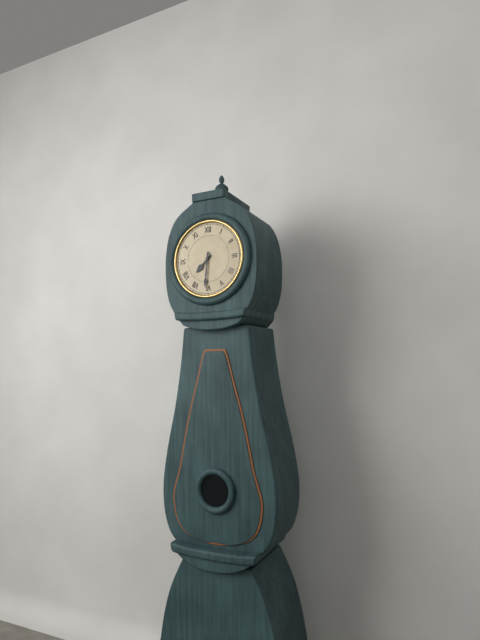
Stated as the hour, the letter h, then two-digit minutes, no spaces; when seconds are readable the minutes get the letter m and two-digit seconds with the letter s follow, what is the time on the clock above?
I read 7h31
